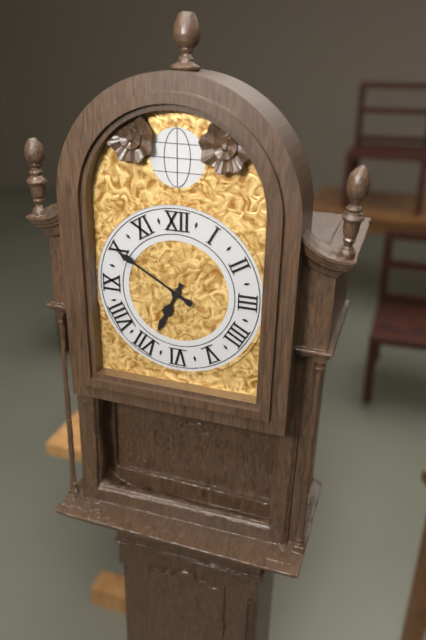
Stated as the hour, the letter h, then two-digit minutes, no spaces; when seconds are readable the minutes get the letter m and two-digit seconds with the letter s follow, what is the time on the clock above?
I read 6h50
